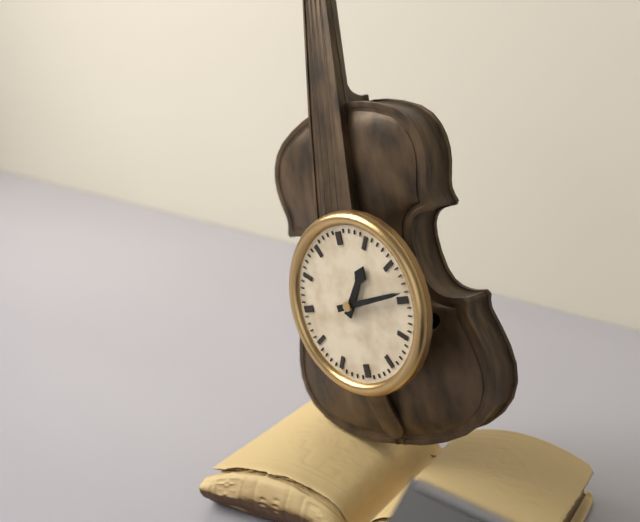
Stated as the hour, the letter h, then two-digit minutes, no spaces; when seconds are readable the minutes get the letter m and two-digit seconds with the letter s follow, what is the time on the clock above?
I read 1h14
